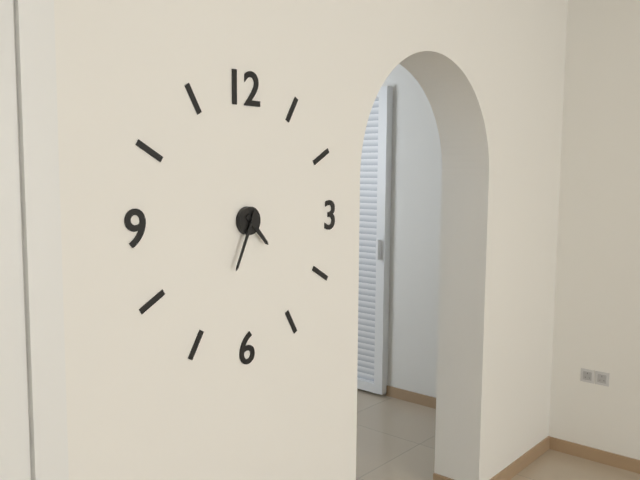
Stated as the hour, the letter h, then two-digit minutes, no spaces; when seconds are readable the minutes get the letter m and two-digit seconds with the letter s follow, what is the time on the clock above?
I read 4h34
